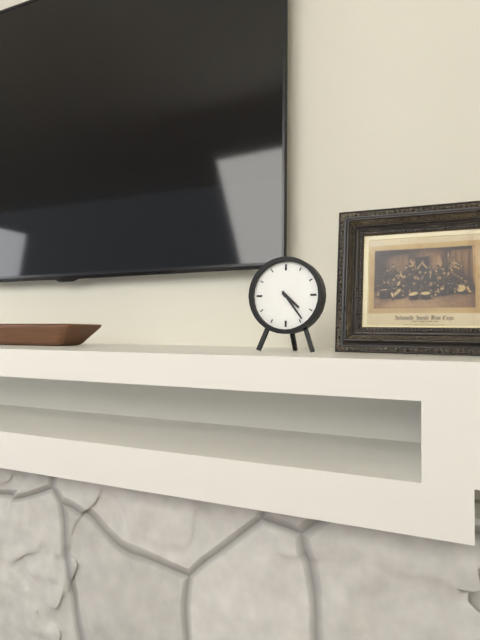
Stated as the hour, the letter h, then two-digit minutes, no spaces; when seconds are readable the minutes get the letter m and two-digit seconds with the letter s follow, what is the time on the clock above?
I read 4h24
